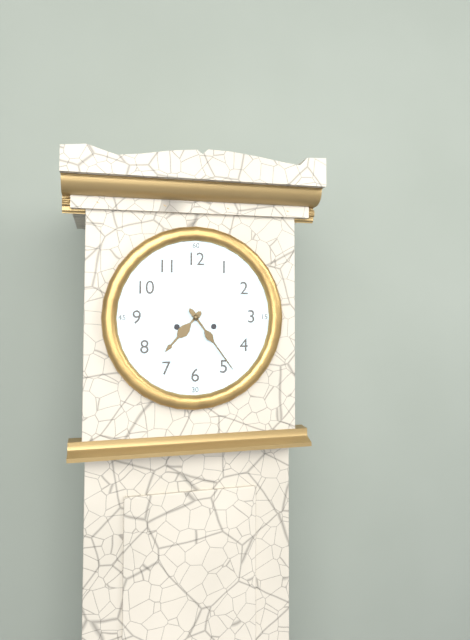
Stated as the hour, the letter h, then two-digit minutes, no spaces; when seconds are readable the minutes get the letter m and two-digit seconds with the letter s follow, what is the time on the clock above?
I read 7h24
